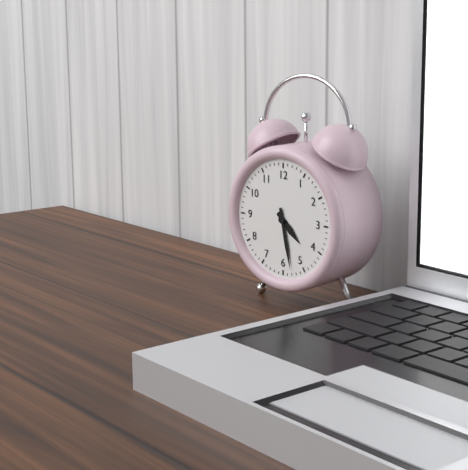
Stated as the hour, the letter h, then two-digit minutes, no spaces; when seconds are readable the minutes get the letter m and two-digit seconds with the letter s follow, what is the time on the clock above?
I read 4h28
